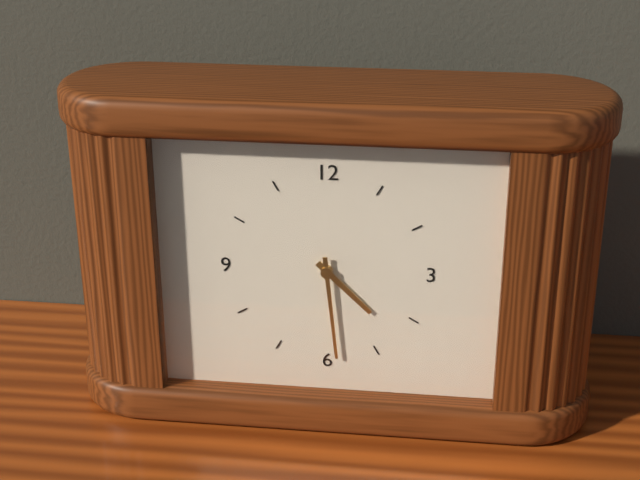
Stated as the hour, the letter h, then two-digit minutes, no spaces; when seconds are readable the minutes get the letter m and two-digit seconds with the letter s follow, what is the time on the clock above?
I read 4h29
